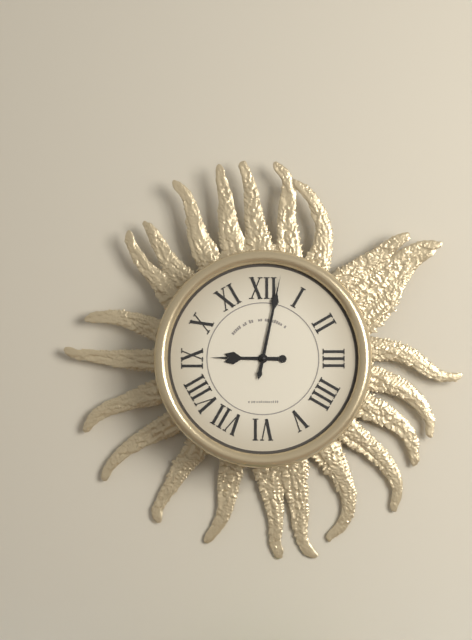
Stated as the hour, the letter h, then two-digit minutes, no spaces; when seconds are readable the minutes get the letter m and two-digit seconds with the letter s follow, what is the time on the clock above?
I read 9h02
